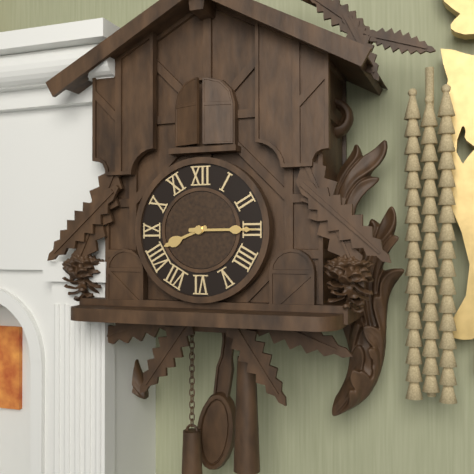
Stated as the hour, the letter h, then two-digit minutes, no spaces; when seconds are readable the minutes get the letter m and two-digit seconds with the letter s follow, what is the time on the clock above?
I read 8h15
